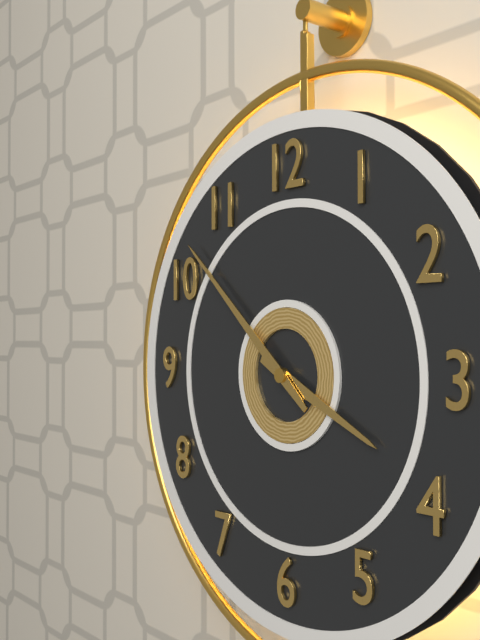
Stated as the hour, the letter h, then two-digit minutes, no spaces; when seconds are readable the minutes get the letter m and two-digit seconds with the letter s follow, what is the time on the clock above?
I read 3h52
